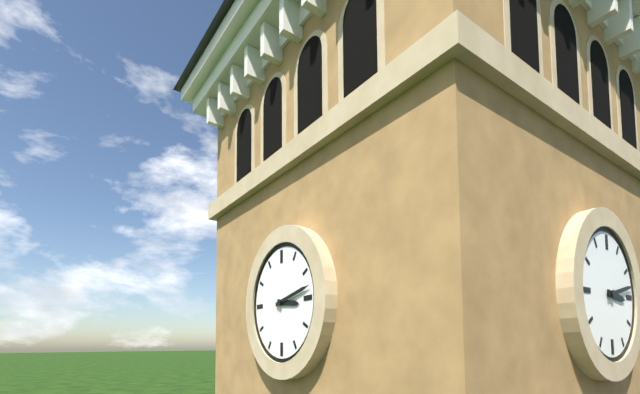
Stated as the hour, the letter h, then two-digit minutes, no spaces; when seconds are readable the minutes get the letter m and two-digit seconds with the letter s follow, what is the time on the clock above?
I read 3h13
